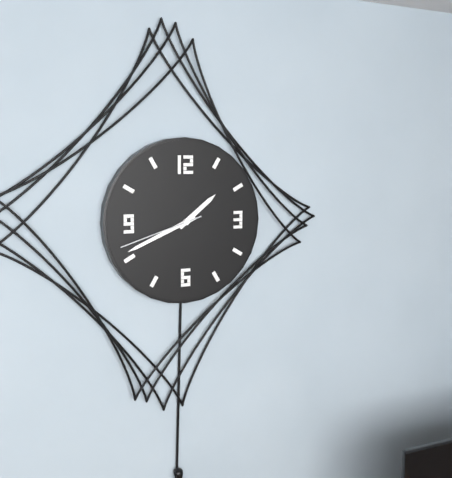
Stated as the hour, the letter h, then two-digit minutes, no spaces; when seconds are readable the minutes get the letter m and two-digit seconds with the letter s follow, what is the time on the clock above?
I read 1h41m42s
